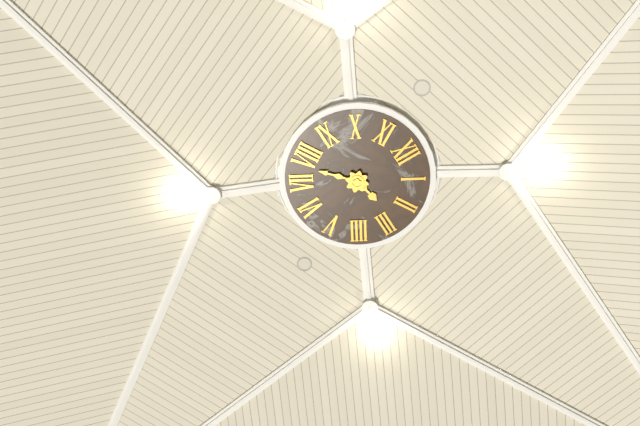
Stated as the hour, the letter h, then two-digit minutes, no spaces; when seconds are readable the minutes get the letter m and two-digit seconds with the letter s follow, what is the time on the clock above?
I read 2h38
